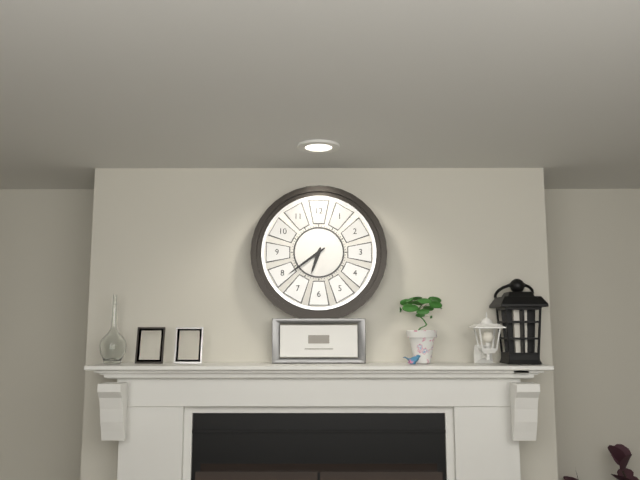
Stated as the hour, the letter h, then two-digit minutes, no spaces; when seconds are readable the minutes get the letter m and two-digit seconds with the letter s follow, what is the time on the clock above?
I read 6h39
